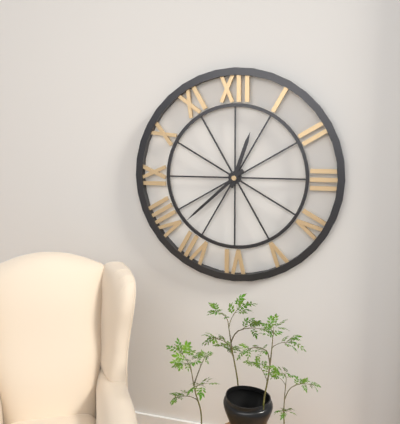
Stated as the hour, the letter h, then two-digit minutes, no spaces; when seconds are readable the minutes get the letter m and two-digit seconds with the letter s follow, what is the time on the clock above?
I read 12h38
